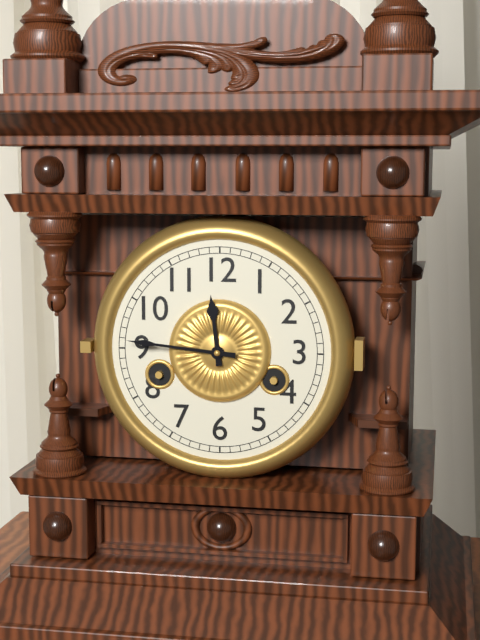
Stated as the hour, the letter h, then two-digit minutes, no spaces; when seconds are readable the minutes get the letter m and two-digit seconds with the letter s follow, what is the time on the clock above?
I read 11h46
